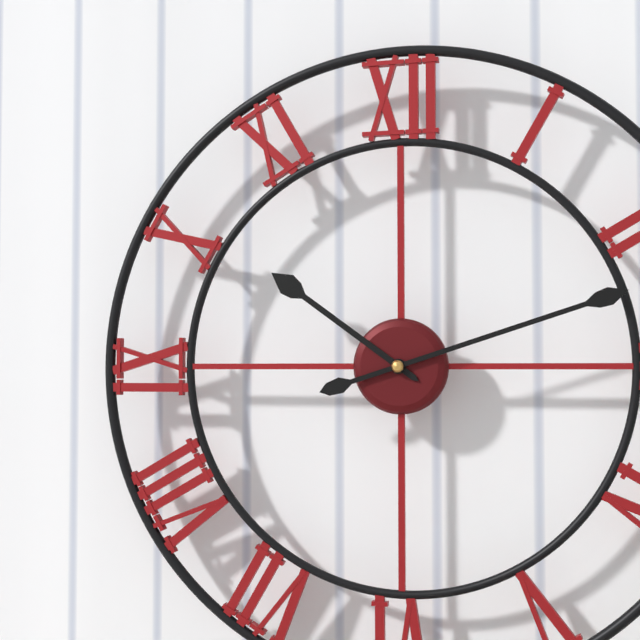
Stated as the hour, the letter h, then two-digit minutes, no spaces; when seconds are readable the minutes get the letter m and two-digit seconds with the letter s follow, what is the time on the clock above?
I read 10h12
